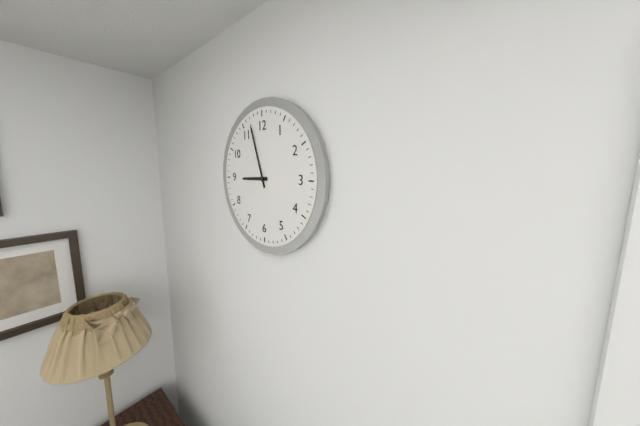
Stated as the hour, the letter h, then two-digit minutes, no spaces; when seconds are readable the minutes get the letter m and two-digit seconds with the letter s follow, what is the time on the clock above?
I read 8h57
